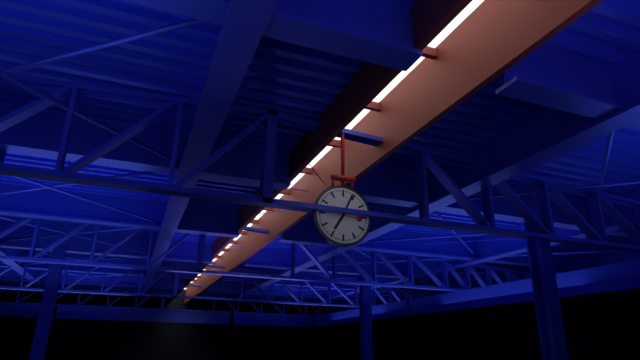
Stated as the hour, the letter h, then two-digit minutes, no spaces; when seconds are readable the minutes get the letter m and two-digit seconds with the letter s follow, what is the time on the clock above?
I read 7h04
